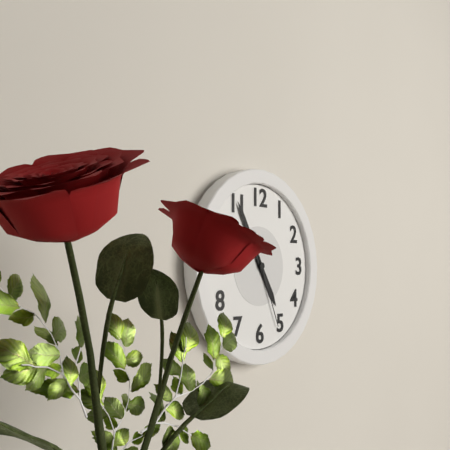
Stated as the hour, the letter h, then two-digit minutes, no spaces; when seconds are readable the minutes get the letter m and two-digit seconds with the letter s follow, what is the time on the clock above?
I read 4h55m26s
